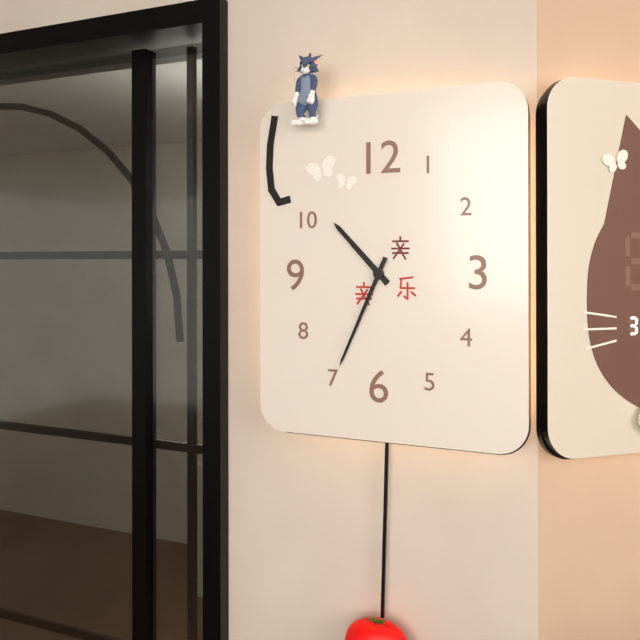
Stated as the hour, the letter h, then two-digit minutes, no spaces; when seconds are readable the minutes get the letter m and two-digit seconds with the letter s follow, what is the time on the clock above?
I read 10h34
